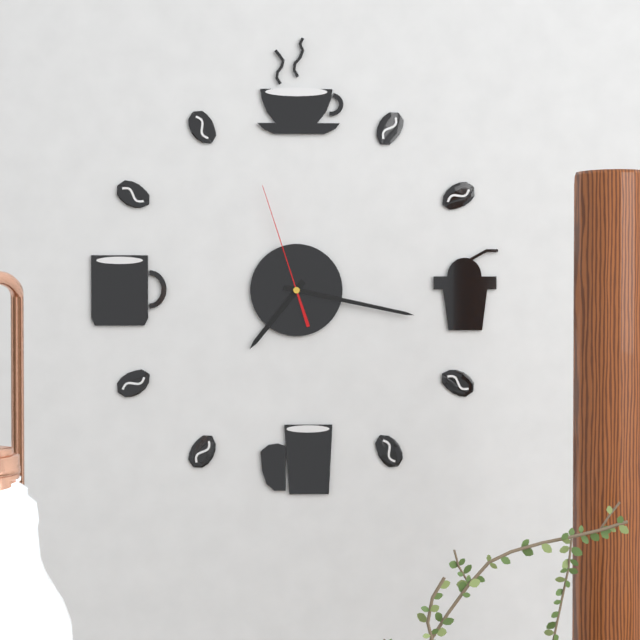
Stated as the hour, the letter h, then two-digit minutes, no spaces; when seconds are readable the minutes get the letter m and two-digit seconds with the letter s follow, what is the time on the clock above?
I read 7h17m57s
